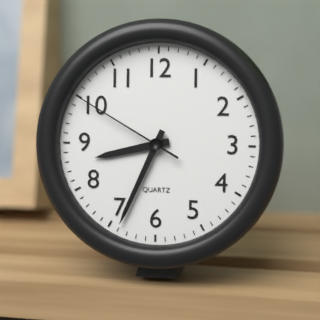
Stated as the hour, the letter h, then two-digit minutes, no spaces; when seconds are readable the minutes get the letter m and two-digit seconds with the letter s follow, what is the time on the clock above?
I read 8h34m50s
